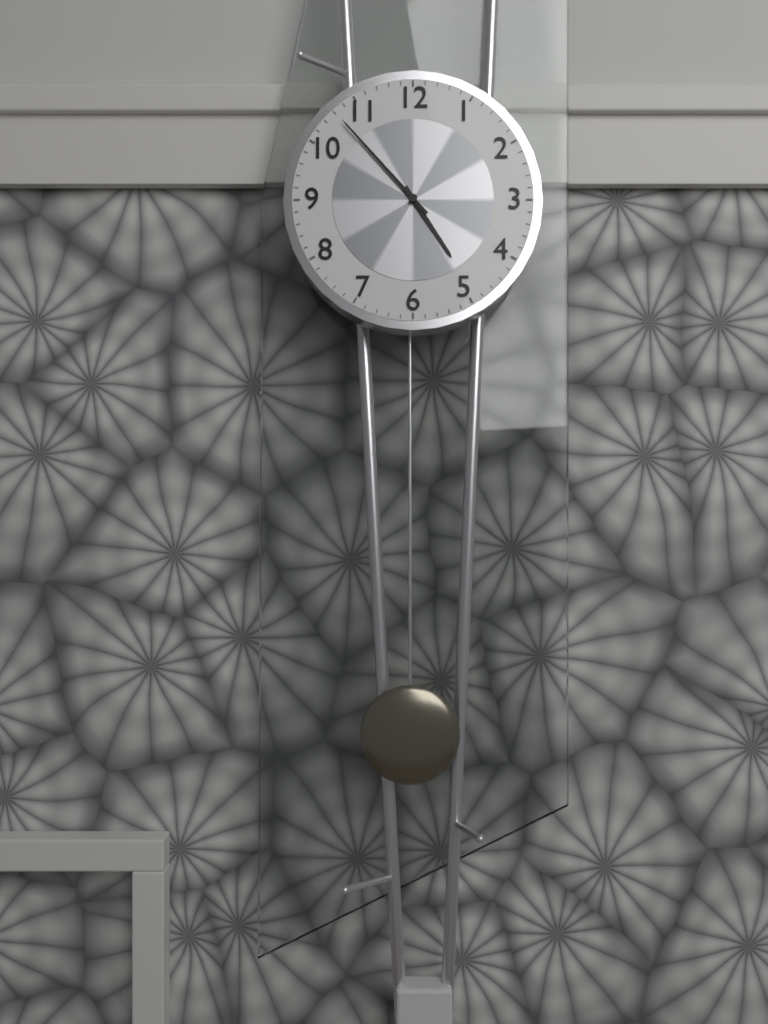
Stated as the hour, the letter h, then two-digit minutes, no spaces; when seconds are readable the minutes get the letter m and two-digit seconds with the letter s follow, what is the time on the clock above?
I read 4h53
